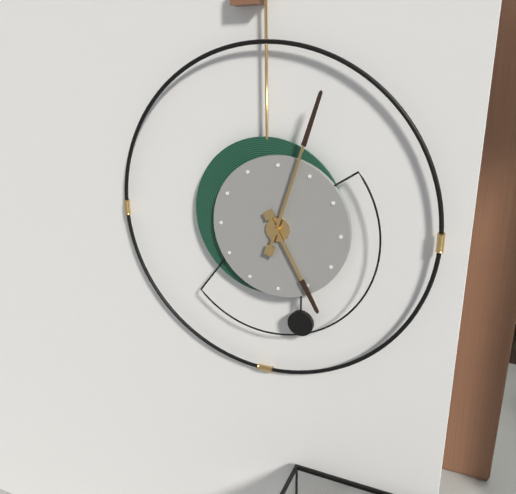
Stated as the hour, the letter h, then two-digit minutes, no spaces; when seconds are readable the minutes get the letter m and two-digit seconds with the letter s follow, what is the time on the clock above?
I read 5h03
